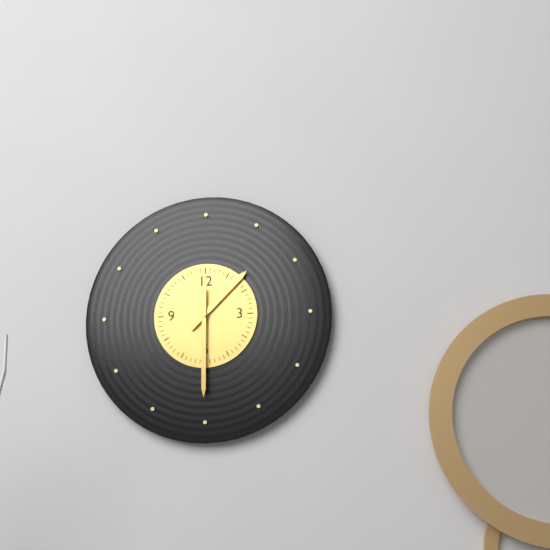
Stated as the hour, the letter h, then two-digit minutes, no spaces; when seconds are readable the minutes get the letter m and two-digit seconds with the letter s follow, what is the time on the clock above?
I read 1h30
